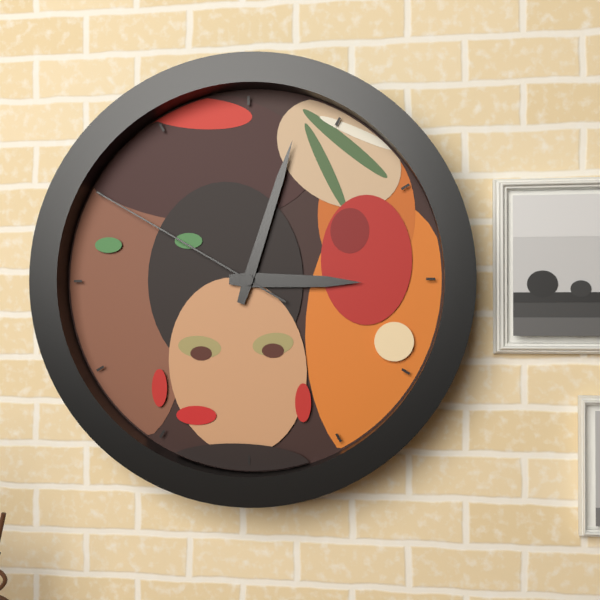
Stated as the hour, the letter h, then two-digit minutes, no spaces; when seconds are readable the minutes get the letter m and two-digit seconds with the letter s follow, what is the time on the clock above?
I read 3h03m50s
